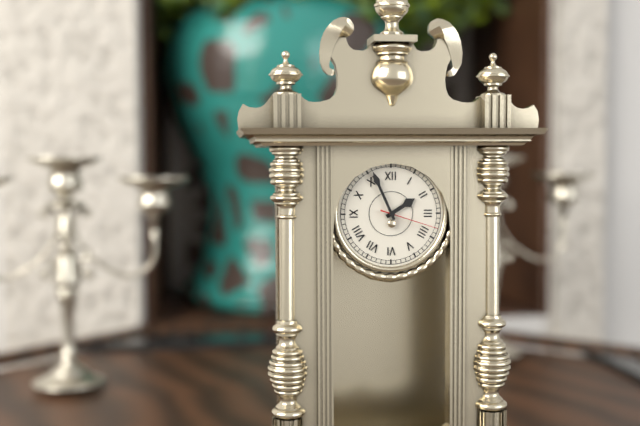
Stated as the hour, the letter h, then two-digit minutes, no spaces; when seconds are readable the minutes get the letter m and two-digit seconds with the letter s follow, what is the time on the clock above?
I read 1h56m18s
